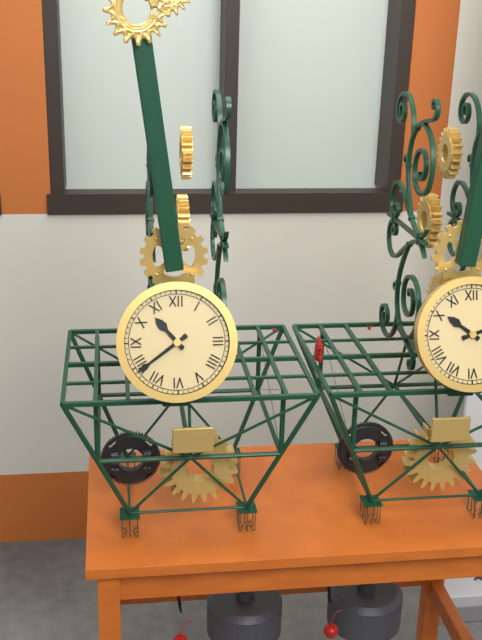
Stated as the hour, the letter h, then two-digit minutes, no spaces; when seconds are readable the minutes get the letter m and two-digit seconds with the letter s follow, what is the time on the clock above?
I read 10h39
